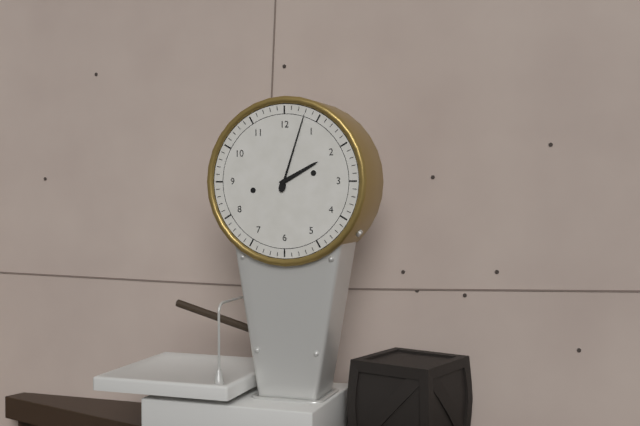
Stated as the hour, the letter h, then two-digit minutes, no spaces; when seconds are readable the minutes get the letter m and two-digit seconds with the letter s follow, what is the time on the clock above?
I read 2h03
